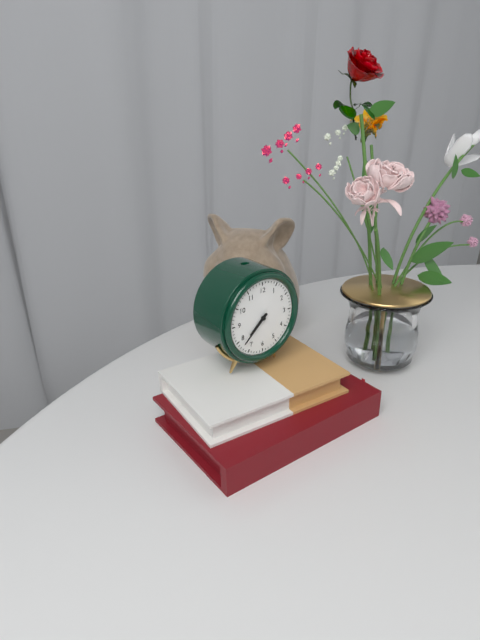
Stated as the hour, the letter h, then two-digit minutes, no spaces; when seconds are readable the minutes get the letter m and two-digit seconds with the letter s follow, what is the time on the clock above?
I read 7h38
